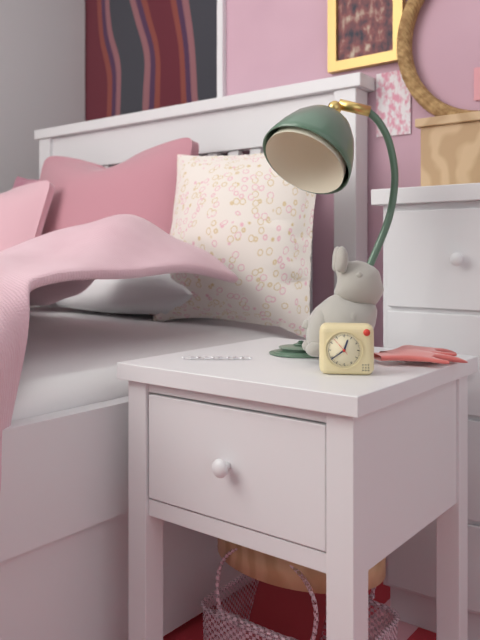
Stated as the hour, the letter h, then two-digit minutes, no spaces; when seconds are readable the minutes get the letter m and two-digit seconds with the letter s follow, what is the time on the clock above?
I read 12h39
